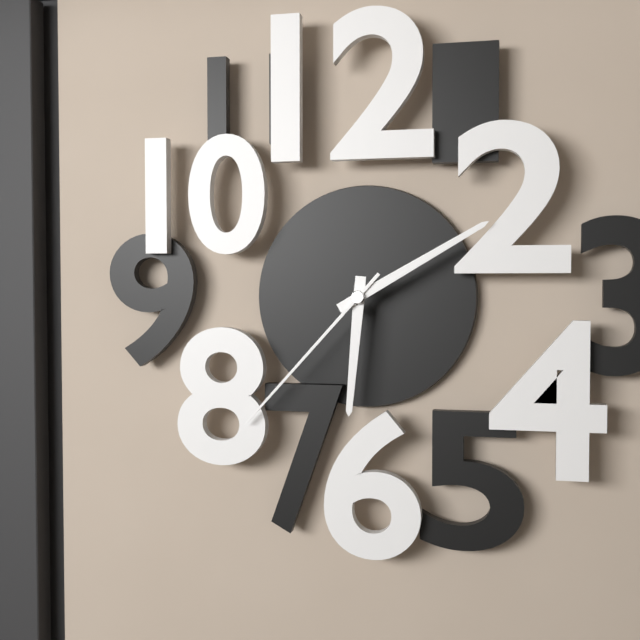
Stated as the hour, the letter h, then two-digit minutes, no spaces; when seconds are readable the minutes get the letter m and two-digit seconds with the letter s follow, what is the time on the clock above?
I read 6h10m37s
